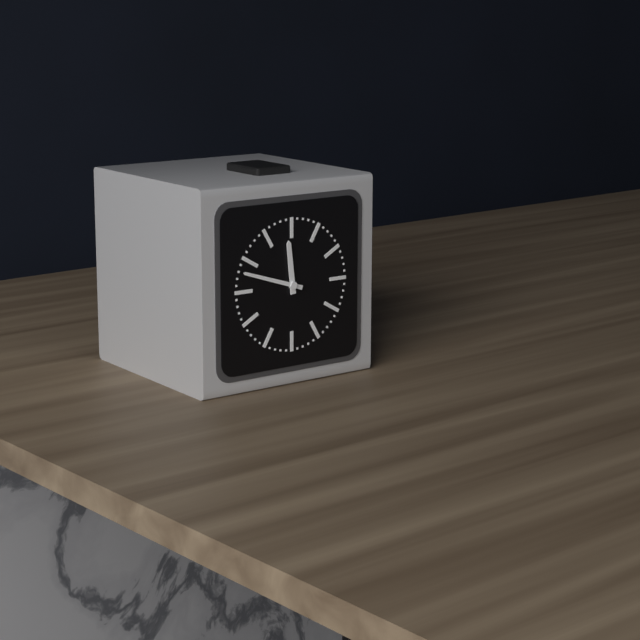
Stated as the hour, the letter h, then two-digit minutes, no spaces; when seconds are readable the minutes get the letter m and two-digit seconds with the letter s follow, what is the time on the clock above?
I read 11h48
